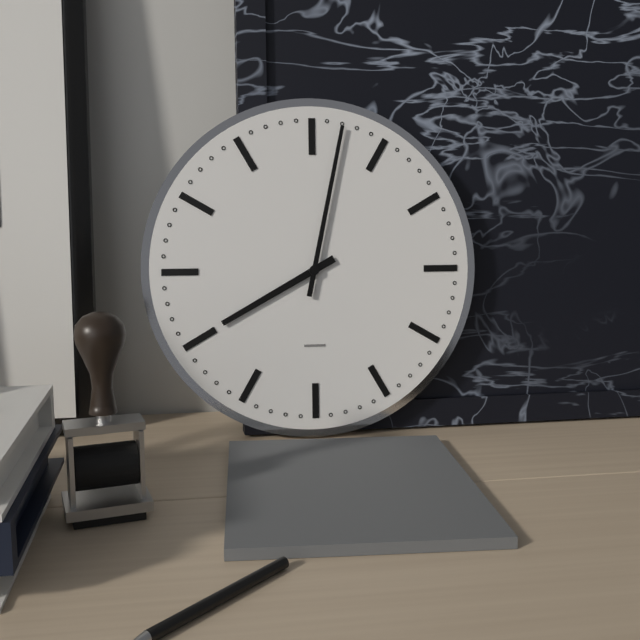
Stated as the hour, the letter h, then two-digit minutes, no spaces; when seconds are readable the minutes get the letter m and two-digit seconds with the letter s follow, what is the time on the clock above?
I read 8h02
